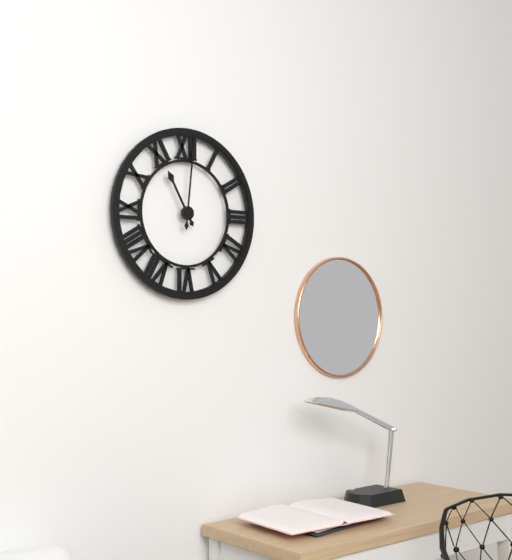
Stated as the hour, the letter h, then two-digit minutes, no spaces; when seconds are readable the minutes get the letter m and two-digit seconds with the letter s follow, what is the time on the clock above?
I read 11h01
